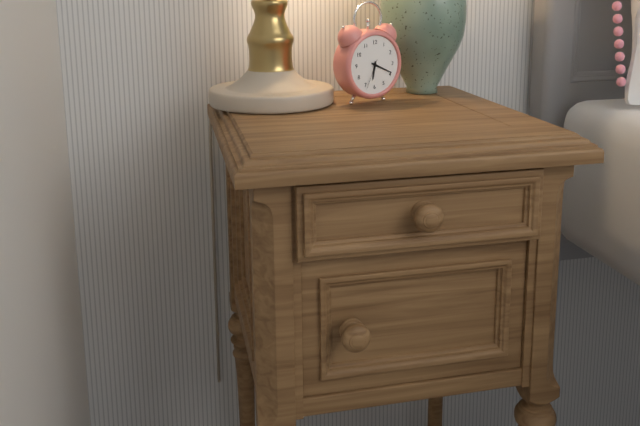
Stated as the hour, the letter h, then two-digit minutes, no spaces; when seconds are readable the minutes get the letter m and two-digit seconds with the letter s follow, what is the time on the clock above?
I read 6h19
